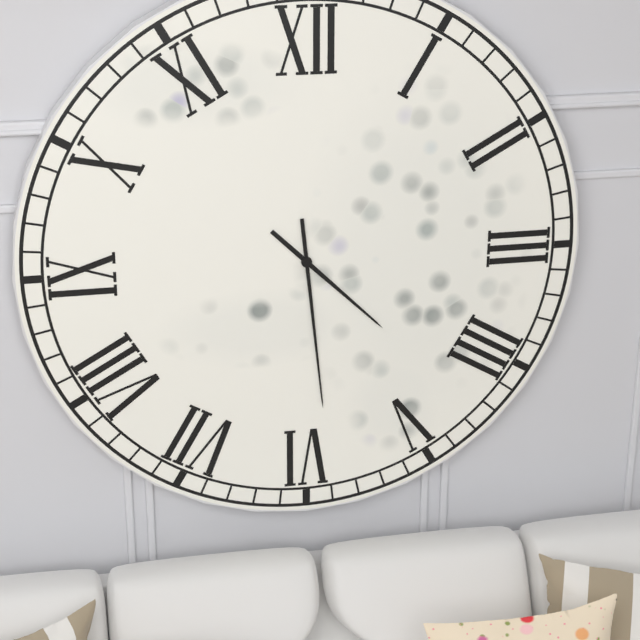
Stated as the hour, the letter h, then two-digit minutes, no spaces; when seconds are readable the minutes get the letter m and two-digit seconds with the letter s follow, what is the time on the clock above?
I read 4h29
